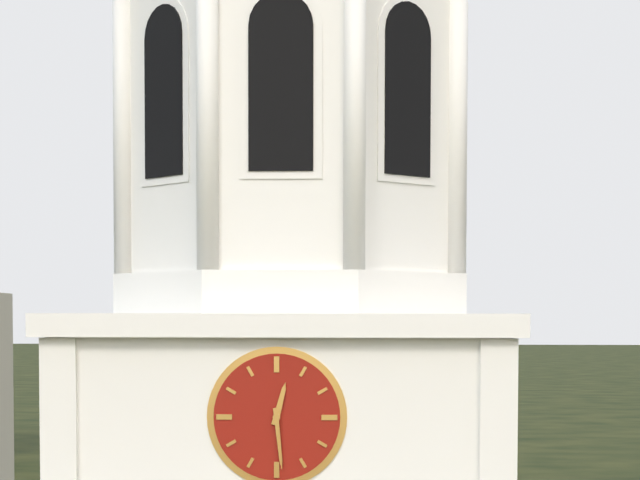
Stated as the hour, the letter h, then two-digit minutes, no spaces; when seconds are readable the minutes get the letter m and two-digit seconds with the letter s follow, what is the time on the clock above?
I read 12h29
